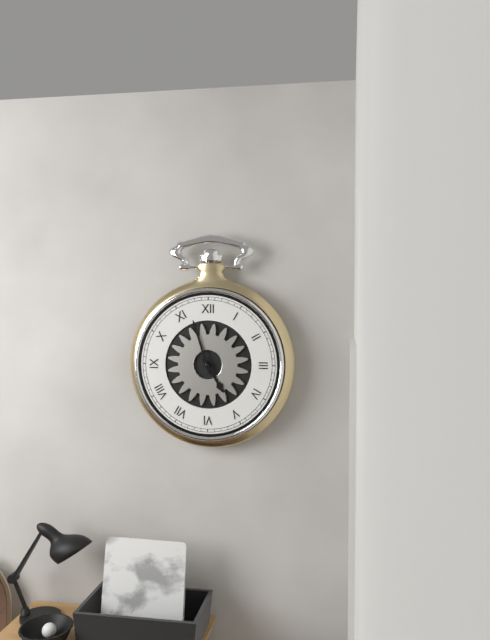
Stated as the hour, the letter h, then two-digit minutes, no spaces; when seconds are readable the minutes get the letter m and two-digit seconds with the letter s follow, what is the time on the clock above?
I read 4h57
